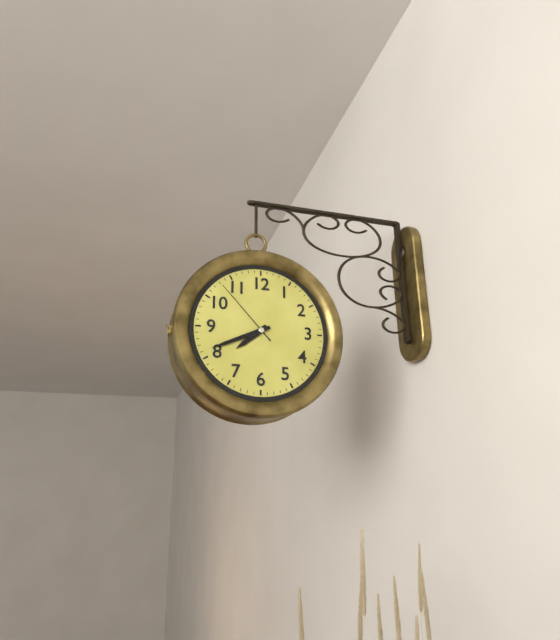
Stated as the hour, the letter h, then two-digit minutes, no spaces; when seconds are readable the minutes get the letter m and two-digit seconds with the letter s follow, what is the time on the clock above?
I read 7h41m53s
